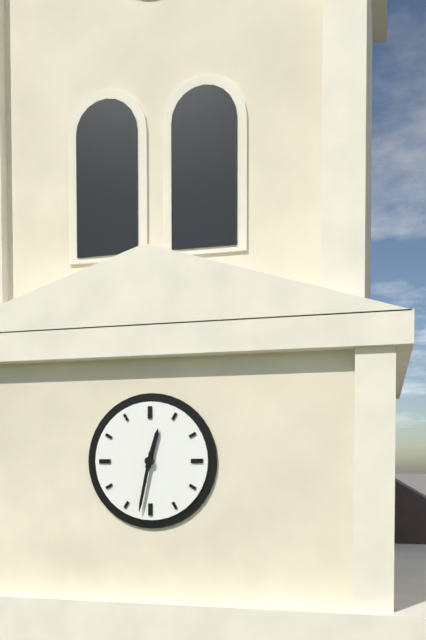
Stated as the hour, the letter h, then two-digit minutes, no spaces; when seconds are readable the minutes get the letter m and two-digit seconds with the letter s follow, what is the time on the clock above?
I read 12h32
